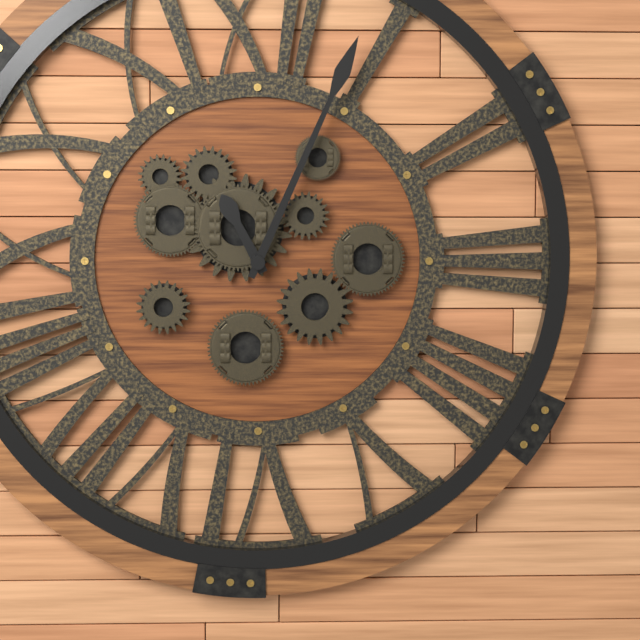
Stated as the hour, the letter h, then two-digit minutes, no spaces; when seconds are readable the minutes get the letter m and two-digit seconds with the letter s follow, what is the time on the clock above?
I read 11h04
